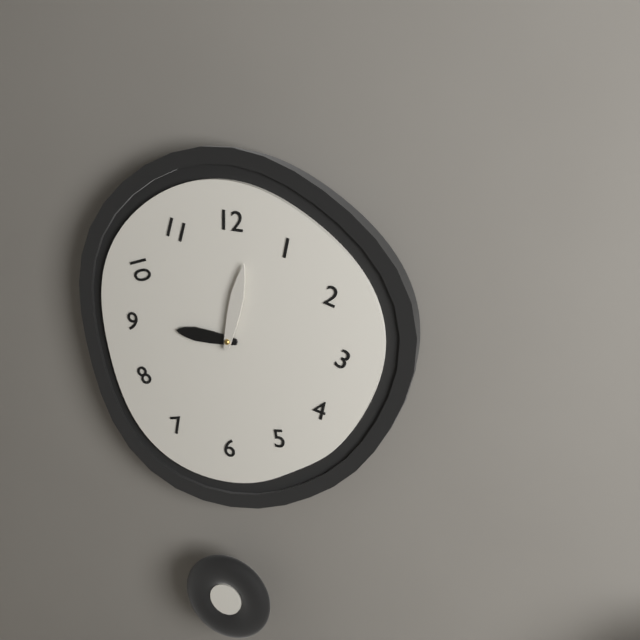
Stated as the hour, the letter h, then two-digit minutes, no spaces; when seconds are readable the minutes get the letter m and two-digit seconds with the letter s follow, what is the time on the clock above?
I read 9h02
